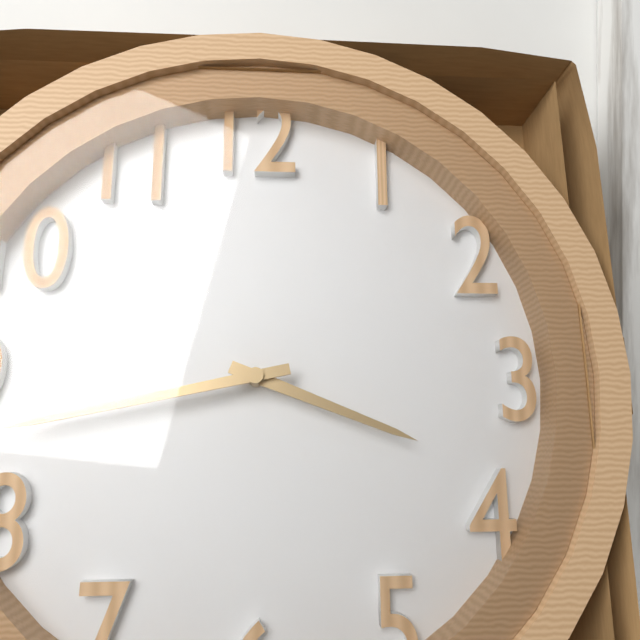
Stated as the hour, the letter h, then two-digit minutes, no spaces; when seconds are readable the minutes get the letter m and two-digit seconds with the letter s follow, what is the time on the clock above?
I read 3h43
